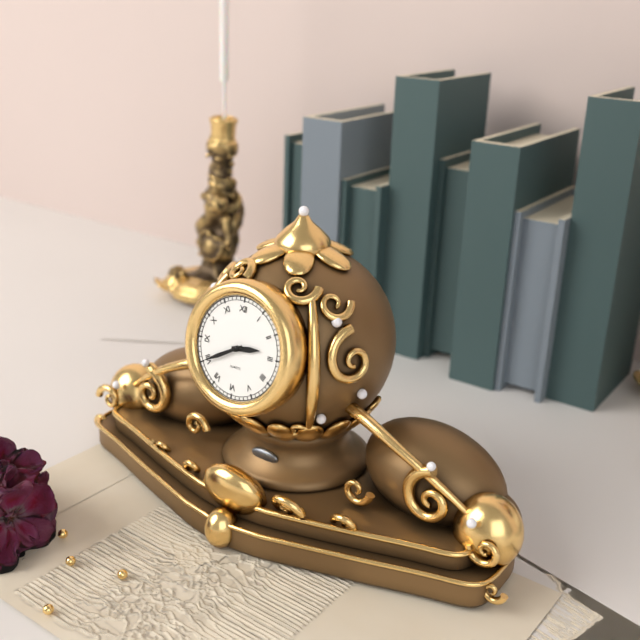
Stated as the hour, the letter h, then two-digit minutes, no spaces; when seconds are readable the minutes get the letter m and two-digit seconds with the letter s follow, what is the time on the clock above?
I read 2h40
